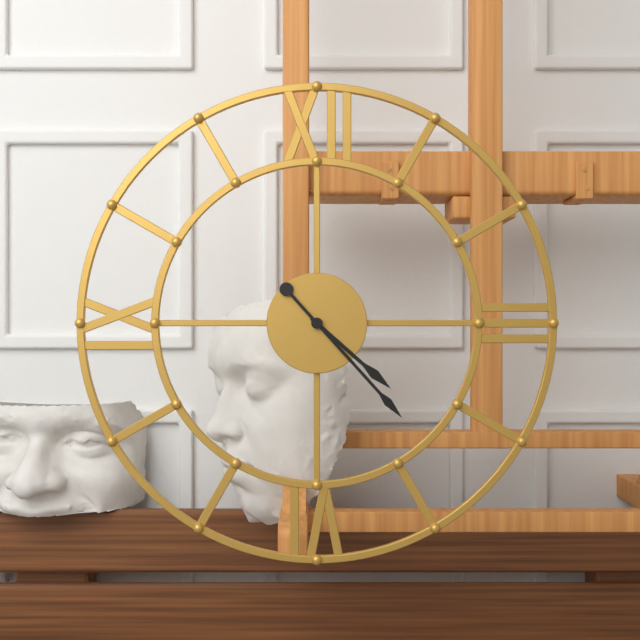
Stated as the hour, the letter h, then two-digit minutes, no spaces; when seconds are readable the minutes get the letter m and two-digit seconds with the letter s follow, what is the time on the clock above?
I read 4h23
